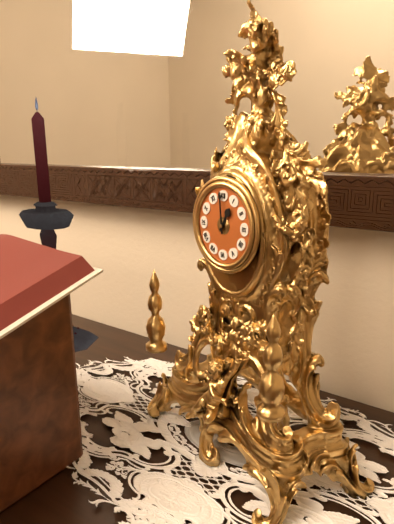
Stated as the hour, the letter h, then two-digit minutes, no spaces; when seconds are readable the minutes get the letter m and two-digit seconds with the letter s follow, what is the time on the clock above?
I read 12h59
